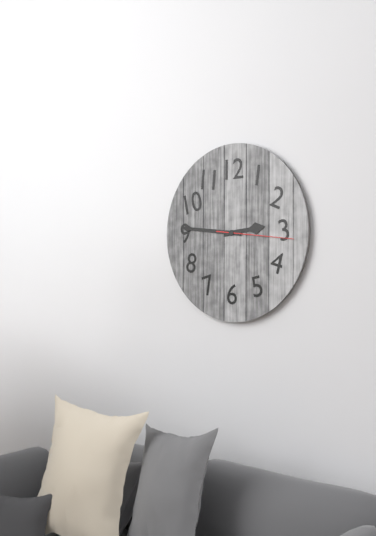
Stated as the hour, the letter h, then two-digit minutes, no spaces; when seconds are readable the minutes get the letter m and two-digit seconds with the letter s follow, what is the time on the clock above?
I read 2h46m16s
